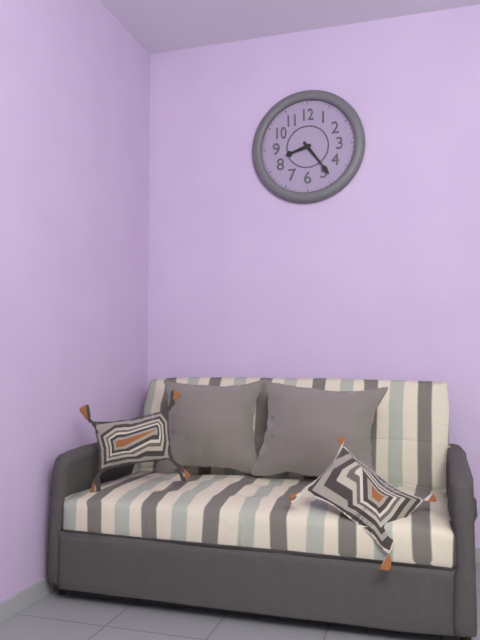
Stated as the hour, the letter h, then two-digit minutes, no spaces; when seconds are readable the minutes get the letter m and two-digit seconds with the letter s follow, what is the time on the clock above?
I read 8h24
